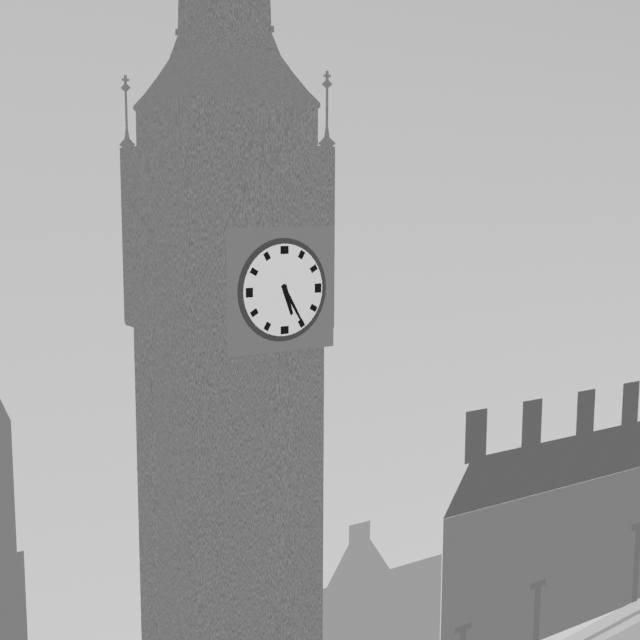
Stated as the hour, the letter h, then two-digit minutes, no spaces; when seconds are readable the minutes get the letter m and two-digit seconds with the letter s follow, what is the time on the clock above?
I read 5h25
